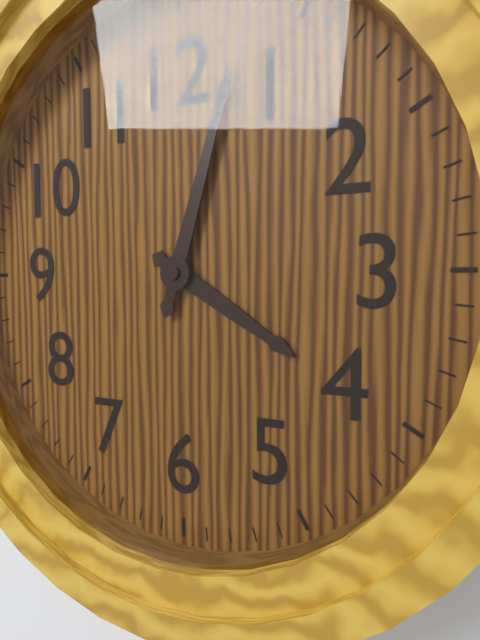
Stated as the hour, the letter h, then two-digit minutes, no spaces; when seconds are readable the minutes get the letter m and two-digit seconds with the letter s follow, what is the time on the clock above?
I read 4h03
